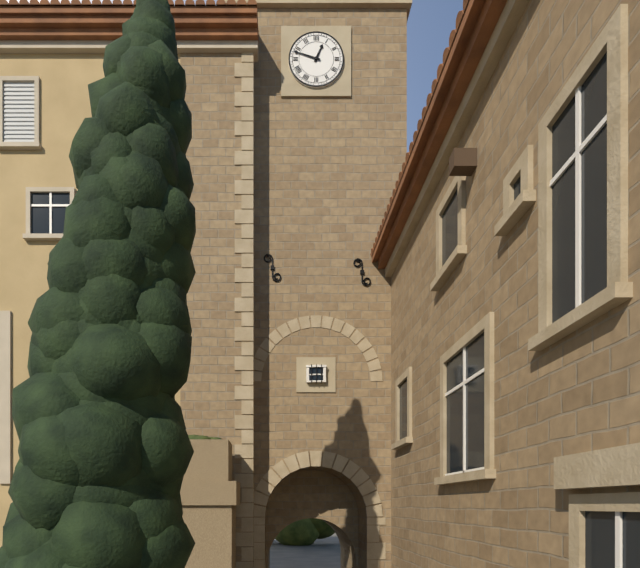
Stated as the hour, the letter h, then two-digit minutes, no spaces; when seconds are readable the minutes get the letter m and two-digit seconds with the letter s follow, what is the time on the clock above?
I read 12h48
